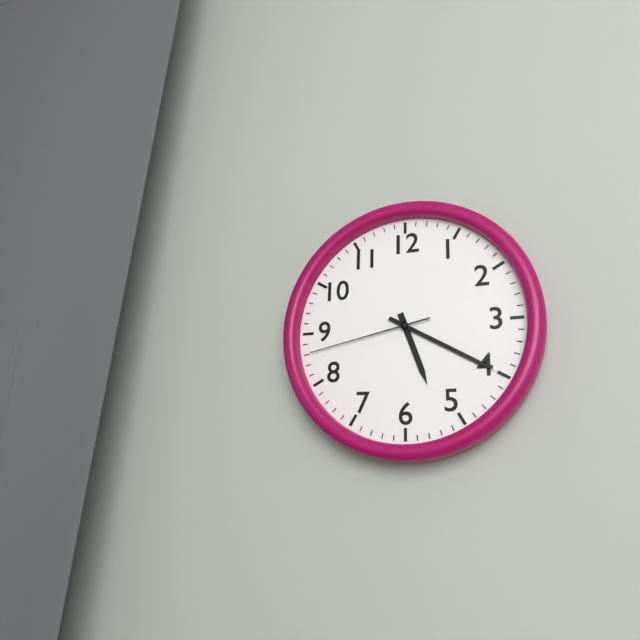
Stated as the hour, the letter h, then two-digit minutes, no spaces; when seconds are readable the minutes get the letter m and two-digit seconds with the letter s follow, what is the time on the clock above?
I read 5h20m43s
